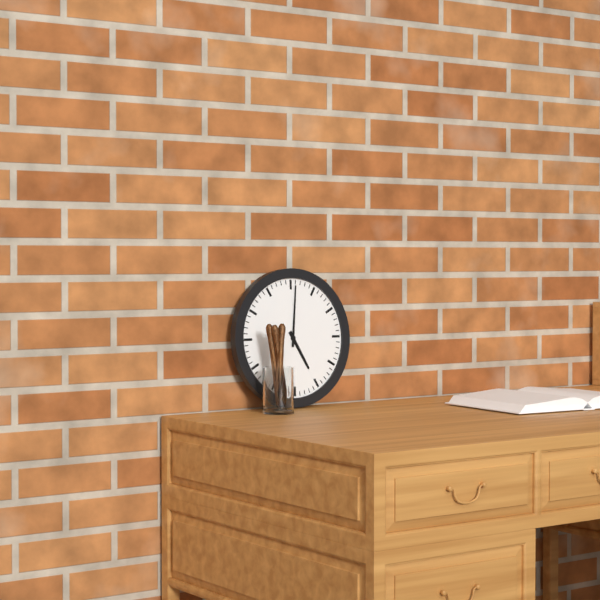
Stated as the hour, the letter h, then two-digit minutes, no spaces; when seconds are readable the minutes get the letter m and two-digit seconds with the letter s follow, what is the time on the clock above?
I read 5h01
